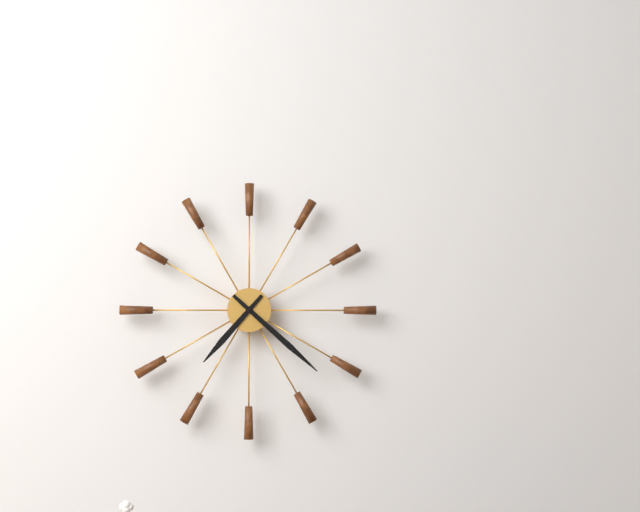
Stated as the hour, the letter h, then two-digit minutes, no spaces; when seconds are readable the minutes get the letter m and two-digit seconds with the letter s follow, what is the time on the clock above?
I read 7h22
